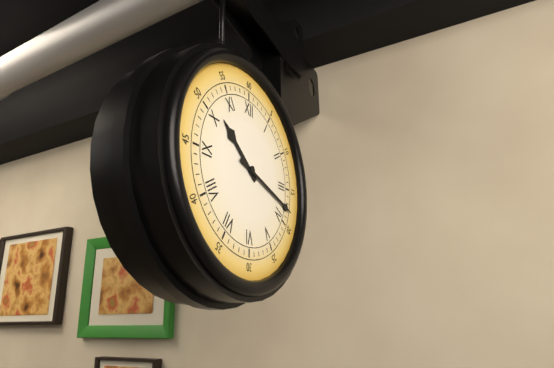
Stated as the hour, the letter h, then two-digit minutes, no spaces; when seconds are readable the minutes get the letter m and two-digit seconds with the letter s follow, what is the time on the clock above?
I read 10h18
